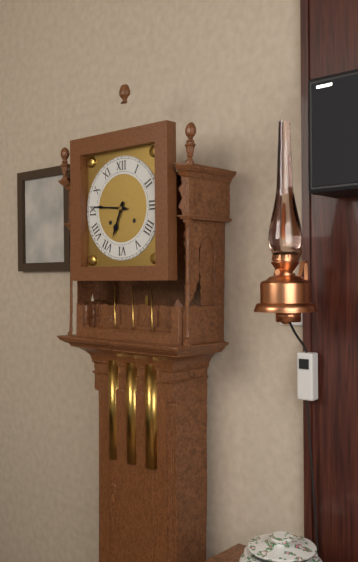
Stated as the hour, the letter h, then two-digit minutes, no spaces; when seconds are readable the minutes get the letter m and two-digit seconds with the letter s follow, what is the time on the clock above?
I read 6h46
